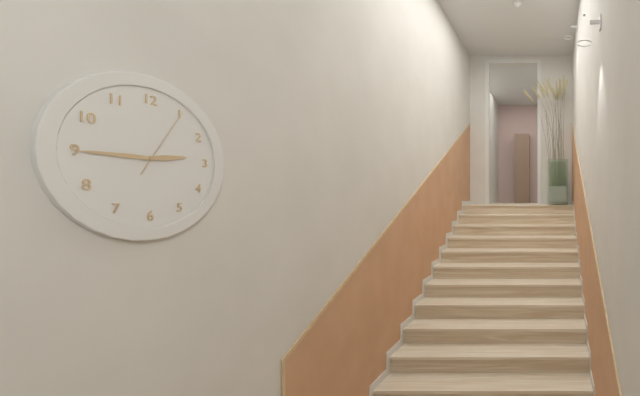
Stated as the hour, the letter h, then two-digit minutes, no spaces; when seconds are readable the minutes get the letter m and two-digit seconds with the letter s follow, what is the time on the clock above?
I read 2h45m05s
